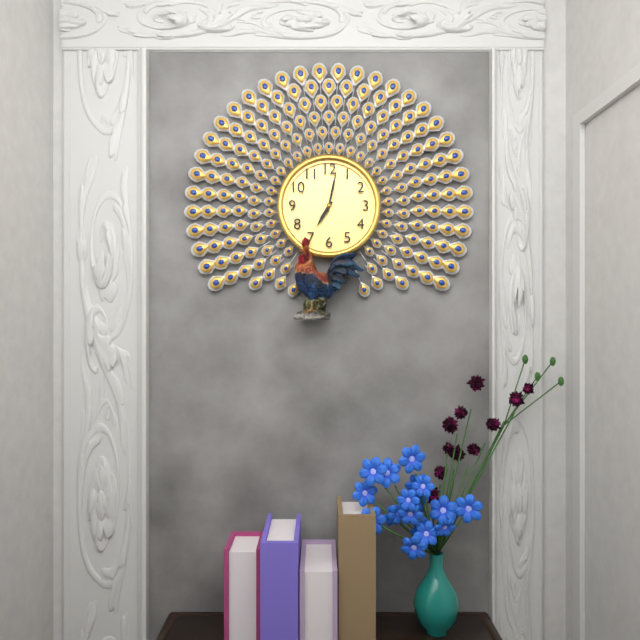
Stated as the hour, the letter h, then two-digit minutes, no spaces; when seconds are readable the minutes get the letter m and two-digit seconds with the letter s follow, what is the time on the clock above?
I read 7h02
